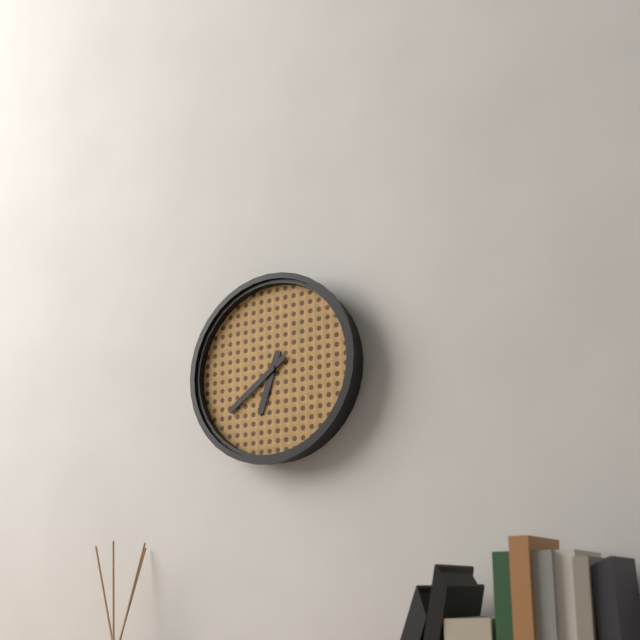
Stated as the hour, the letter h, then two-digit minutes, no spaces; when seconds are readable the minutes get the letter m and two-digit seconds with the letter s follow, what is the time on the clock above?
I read 6h39
